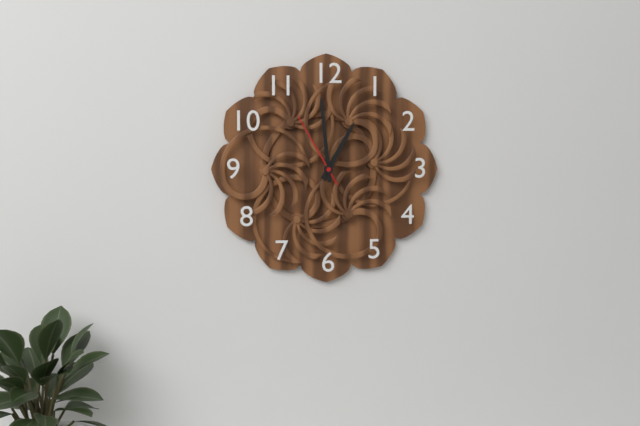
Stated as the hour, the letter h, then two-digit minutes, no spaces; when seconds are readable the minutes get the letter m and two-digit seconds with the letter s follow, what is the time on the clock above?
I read 12h59m55s
